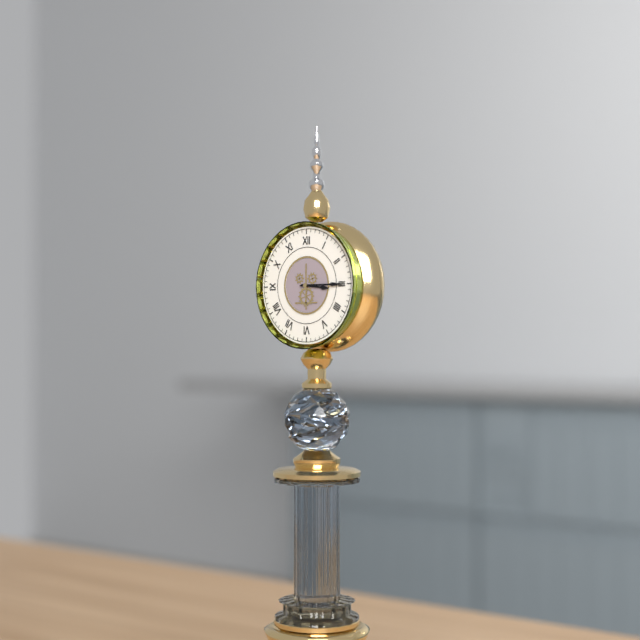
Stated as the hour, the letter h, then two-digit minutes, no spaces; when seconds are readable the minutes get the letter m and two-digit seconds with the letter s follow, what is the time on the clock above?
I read 3h15
